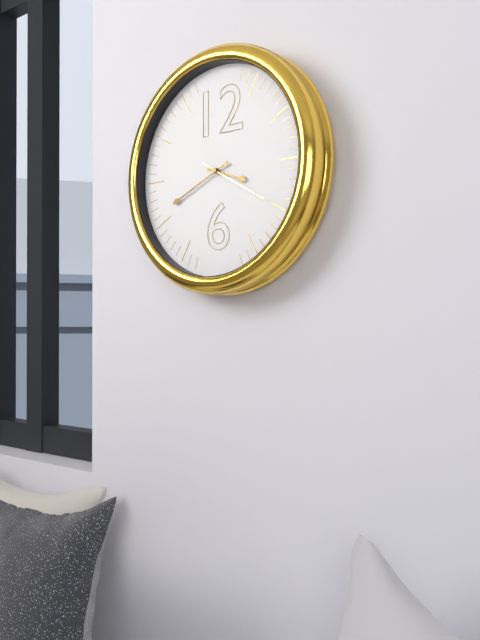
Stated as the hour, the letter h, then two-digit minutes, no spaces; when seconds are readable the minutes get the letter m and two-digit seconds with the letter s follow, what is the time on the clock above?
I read 3h41m20s
